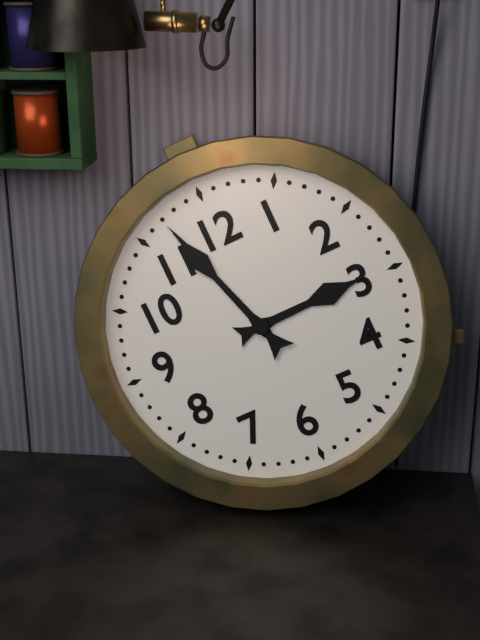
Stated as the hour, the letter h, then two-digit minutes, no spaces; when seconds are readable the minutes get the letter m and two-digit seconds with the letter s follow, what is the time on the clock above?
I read 2h57
